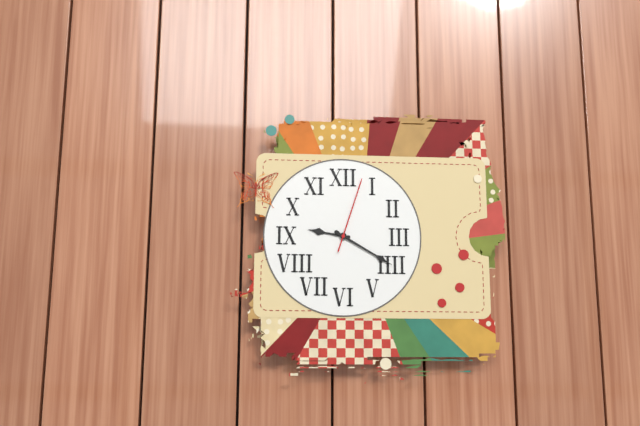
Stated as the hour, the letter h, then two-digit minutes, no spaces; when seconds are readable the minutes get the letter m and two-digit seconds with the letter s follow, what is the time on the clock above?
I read 9h20m03s
